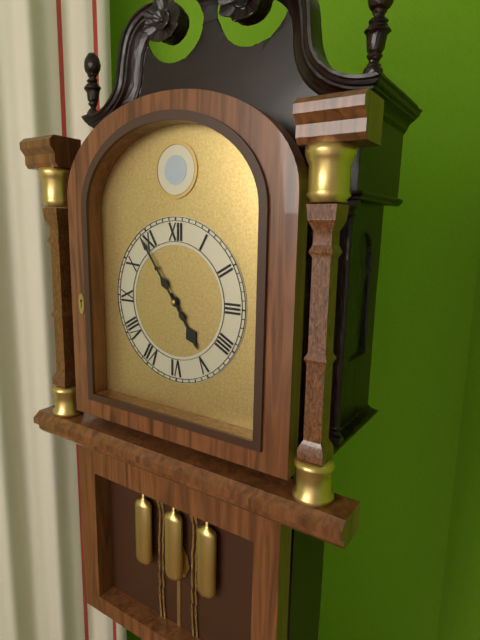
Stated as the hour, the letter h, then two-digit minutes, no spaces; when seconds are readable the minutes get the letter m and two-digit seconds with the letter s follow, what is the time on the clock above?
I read 4h54
